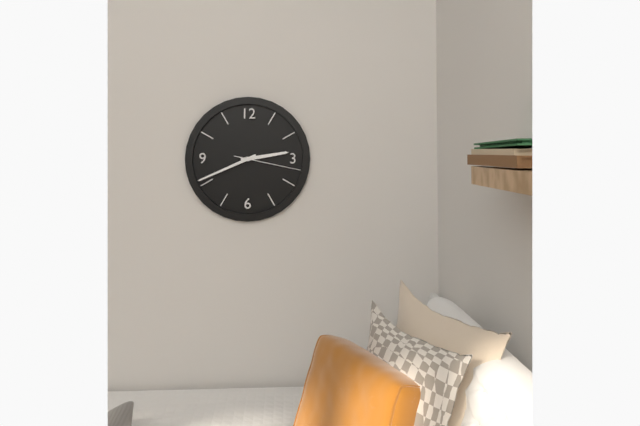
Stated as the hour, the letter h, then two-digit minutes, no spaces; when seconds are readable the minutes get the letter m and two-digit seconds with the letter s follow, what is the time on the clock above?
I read 2h41m17s
